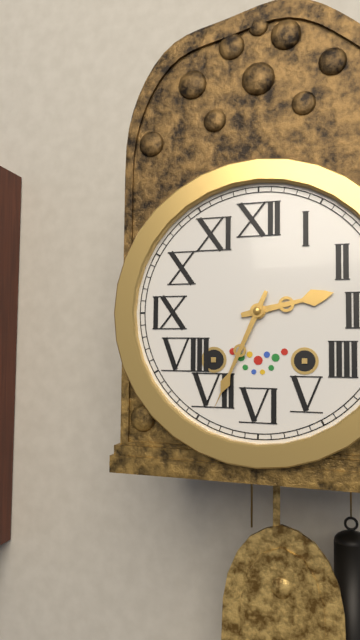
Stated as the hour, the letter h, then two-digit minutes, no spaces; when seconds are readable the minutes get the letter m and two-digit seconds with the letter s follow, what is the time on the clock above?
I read 2h34
